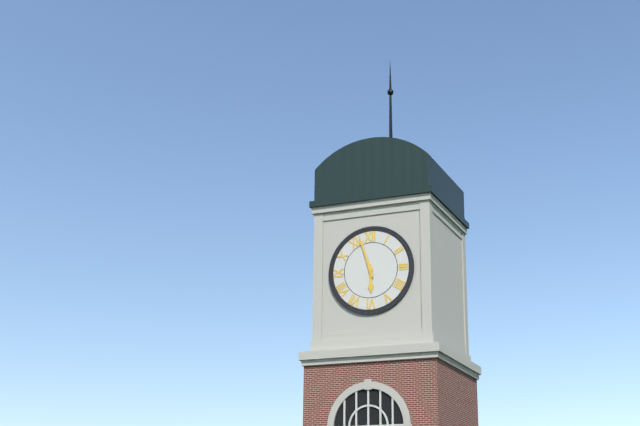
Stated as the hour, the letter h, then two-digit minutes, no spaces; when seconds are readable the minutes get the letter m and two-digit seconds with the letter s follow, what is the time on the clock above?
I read 5h57
